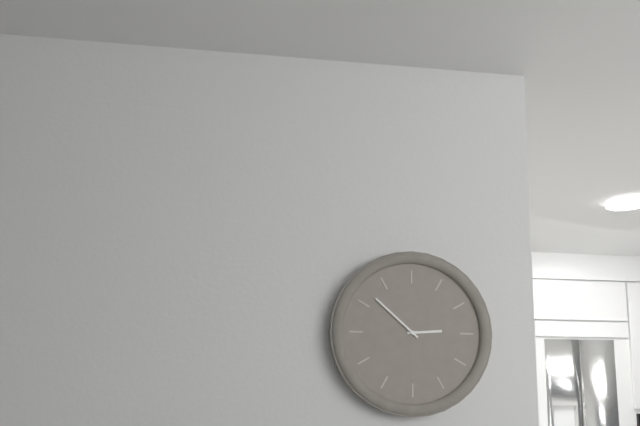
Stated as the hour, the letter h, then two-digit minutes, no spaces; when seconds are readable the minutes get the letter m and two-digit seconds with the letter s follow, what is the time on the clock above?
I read 2h52
